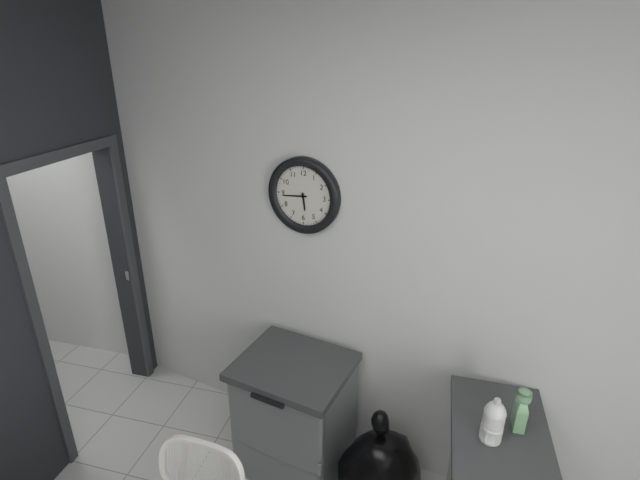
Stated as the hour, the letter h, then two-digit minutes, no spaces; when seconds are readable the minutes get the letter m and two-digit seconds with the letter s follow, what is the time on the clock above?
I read 5h44
